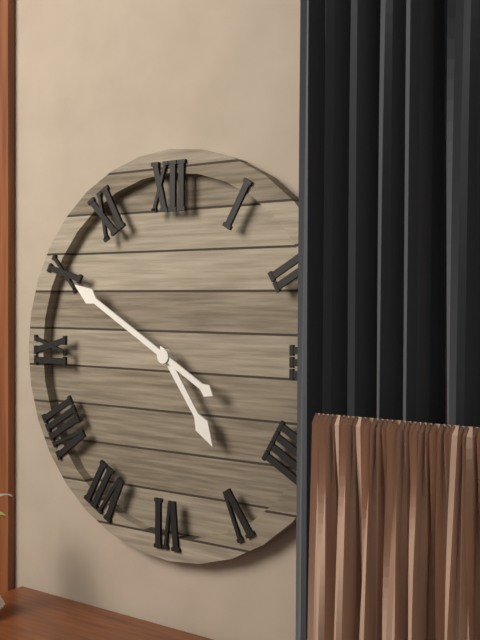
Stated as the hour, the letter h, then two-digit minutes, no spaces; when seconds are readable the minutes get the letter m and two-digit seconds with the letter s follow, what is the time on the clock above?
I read 4h50
